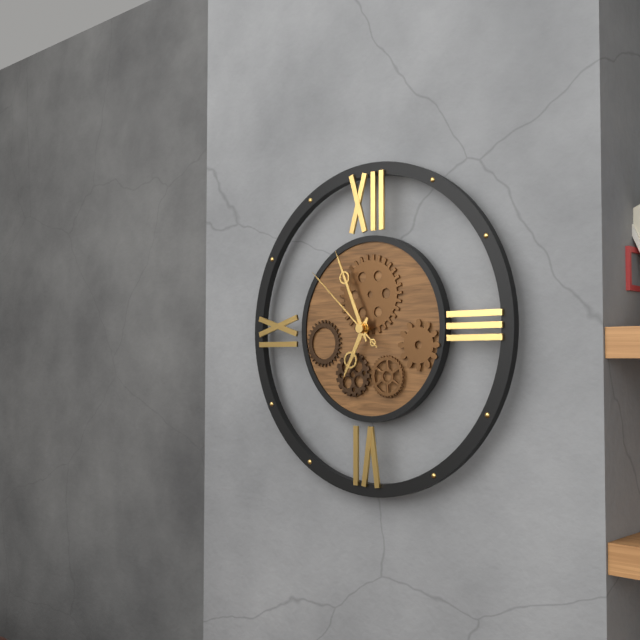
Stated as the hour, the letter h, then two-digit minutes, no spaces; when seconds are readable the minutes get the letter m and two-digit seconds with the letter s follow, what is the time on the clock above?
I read 6h56m52s
